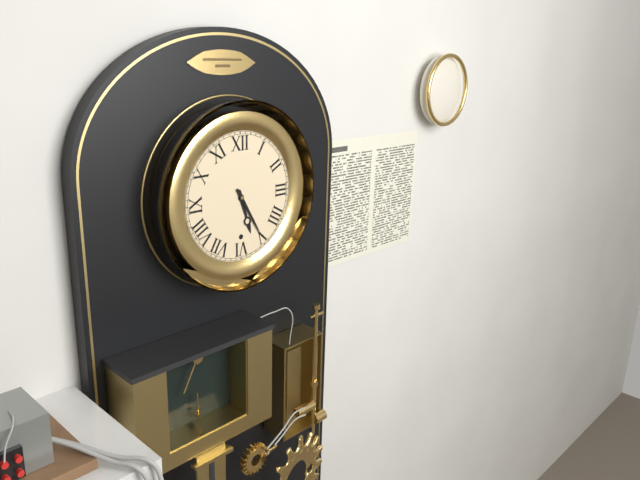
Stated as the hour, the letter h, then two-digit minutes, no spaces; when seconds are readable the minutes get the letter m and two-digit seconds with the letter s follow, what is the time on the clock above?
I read 5h25
